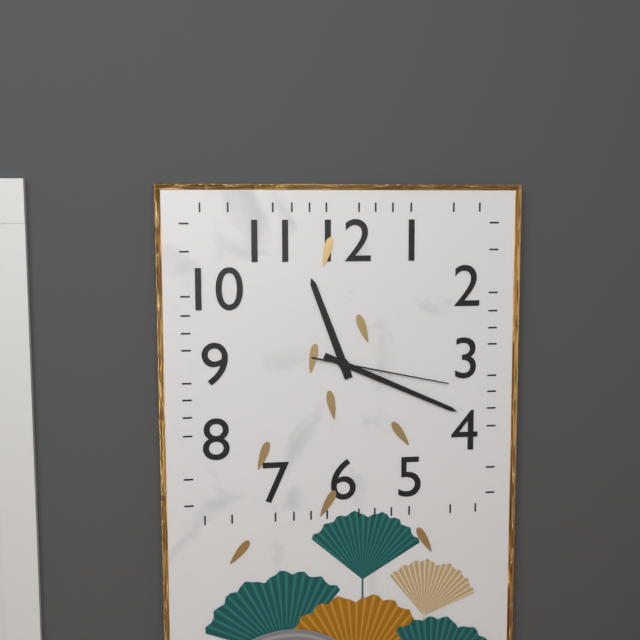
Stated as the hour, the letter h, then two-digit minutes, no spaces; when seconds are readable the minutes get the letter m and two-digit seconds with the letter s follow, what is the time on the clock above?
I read 11h19m17s
